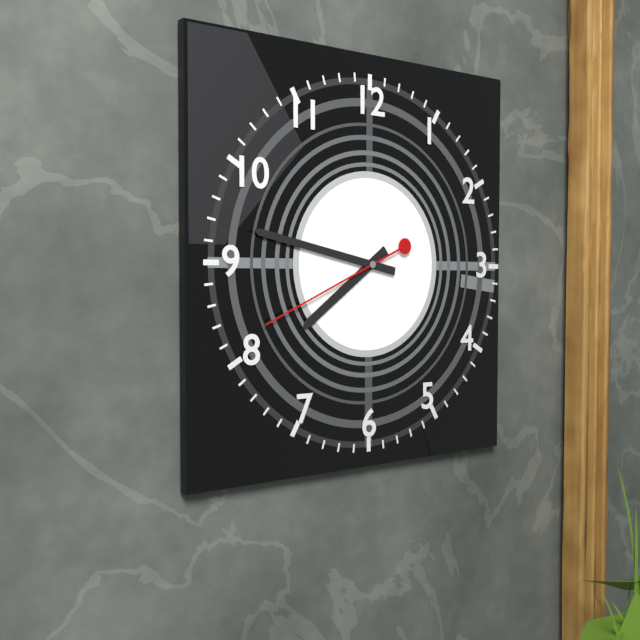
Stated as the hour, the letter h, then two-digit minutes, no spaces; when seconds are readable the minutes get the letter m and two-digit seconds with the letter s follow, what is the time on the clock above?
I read 7h47m41s
